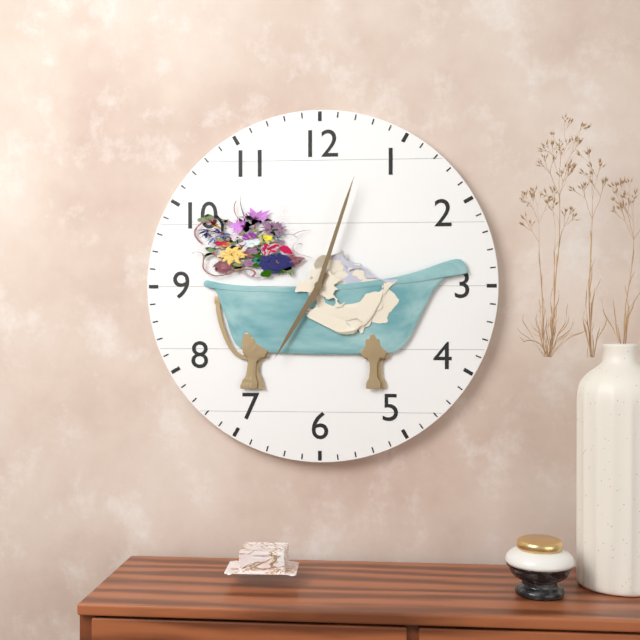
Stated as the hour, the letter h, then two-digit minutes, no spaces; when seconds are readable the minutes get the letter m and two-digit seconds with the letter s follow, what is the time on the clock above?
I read 7h03
